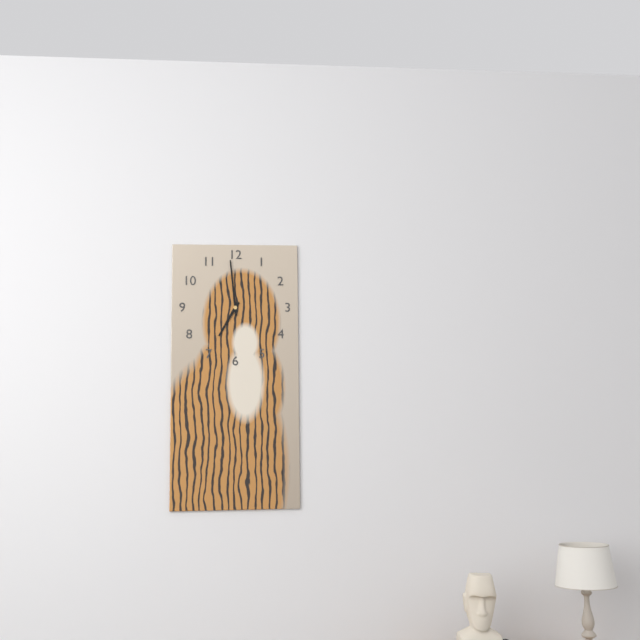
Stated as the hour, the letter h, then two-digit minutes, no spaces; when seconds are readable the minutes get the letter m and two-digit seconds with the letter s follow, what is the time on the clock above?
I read 6h59
